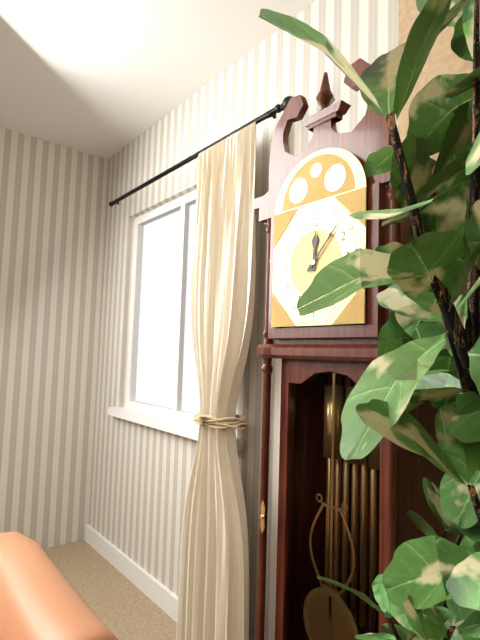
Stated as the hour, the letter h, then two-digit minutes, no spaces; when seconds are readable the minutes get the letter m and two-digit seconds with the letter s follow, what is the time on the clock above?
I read 12h07
